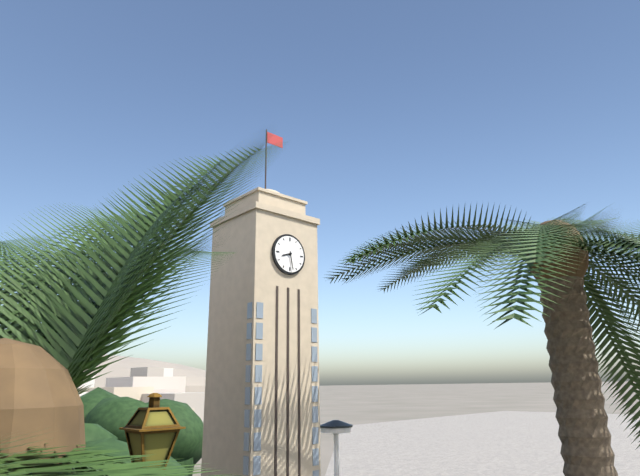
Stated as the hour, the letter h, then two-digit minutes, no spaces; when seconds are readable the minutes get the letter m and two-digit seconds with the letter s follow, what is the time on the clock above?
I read 8h28
